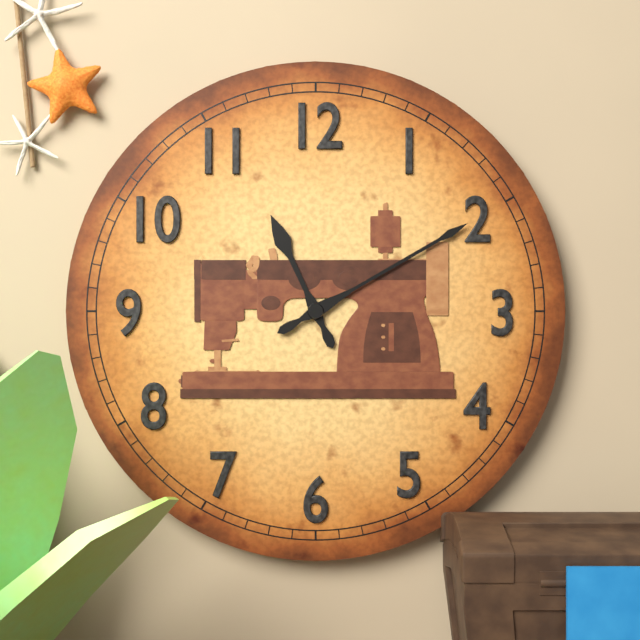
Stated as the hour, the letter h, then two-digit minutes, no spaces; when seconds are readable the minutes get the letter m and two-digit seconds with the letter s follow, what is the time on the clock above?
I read 11h10
